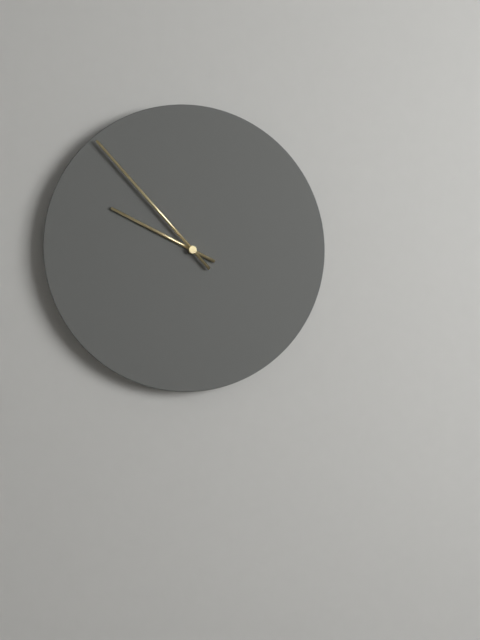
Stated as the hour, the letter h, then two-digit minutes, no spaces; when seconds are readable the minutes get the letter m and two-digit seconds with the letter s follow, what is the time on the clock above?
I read 9h53
